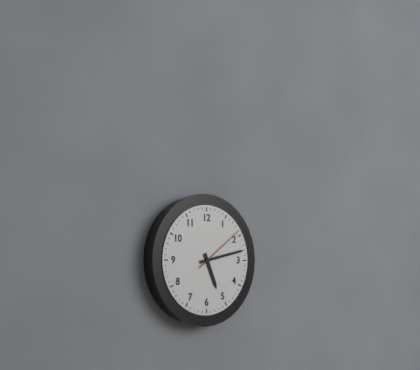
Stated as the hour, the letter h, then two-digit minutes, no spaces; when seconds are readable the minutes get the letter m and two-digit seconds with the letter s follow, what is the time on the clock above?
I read 5h13m09s
